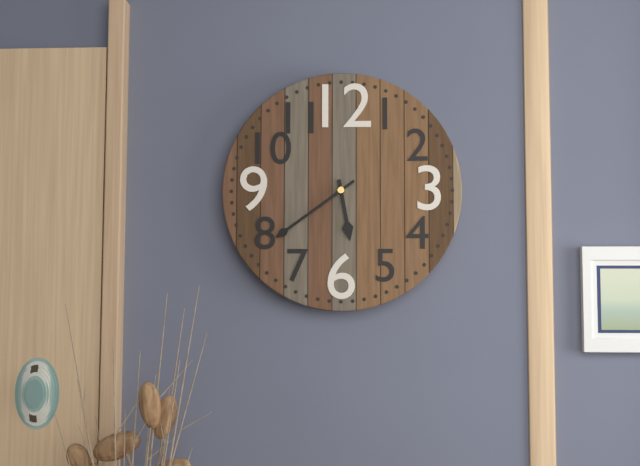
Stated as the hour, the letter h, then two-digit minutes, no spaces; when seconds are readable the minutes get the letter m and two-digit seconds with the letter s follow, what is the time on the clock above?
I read 5h39
